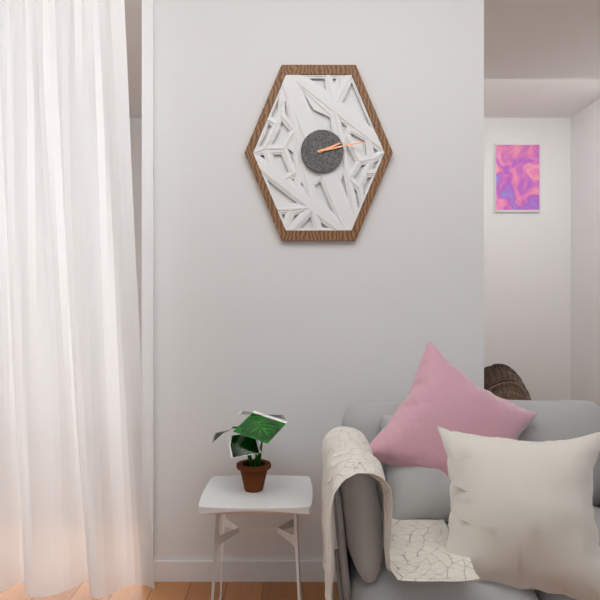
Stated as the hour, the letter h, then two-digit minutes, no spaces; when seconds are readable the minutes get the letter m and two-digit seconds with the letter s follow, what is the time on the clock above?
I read 2h13
